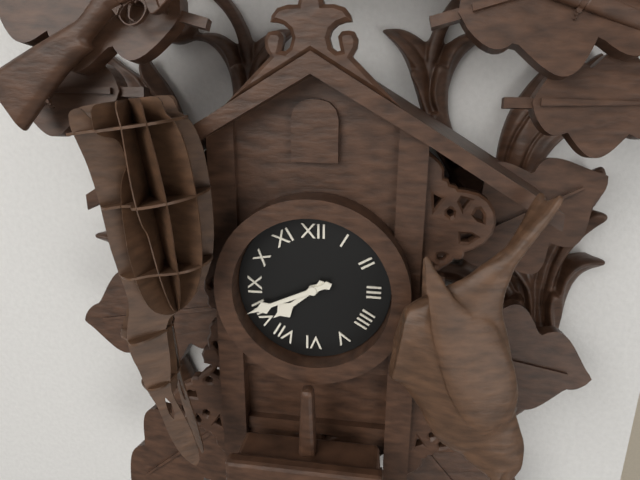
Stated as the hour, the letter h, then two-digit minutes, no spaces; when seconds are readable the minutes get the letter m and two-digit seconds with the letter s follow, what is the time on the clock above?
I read 7h41
